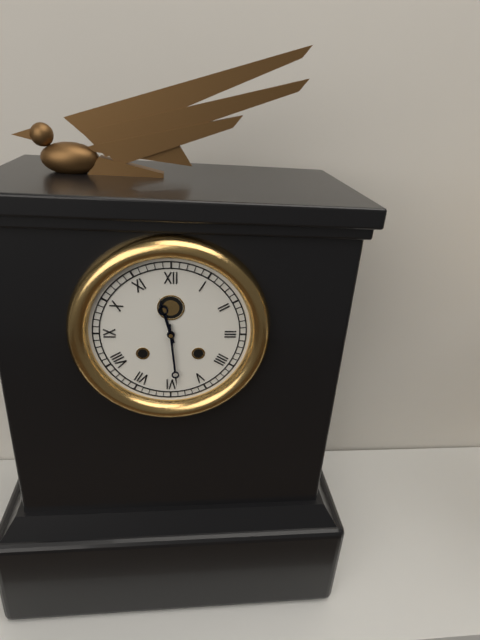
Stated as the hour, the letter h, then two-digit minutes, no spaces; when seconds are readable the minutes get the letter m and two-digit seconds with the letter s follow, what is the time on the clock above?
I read 11h29
